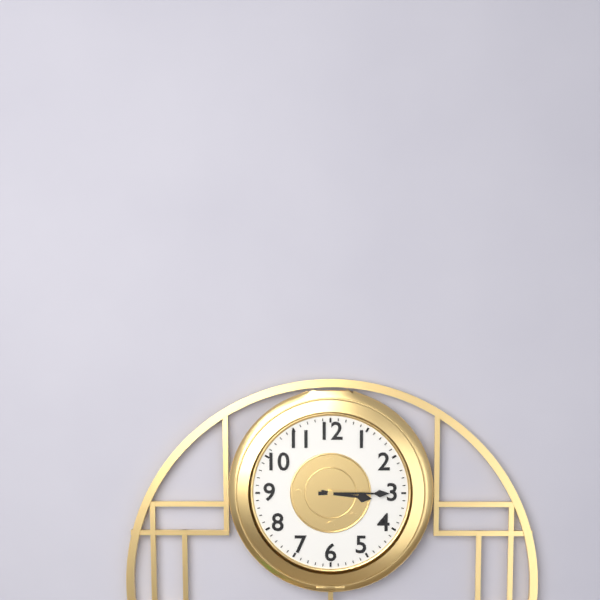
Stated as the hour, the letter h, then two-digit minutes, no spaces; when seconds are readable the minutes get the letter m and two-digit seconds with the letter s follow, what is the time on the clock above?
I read 3h15
